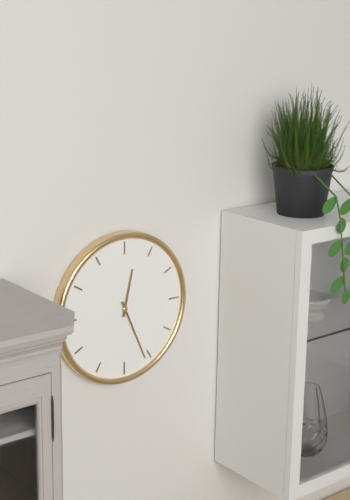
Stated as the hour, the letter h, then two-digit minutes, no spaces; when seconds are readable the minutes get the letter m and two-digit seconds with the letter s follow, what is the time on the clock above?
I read 12h26
